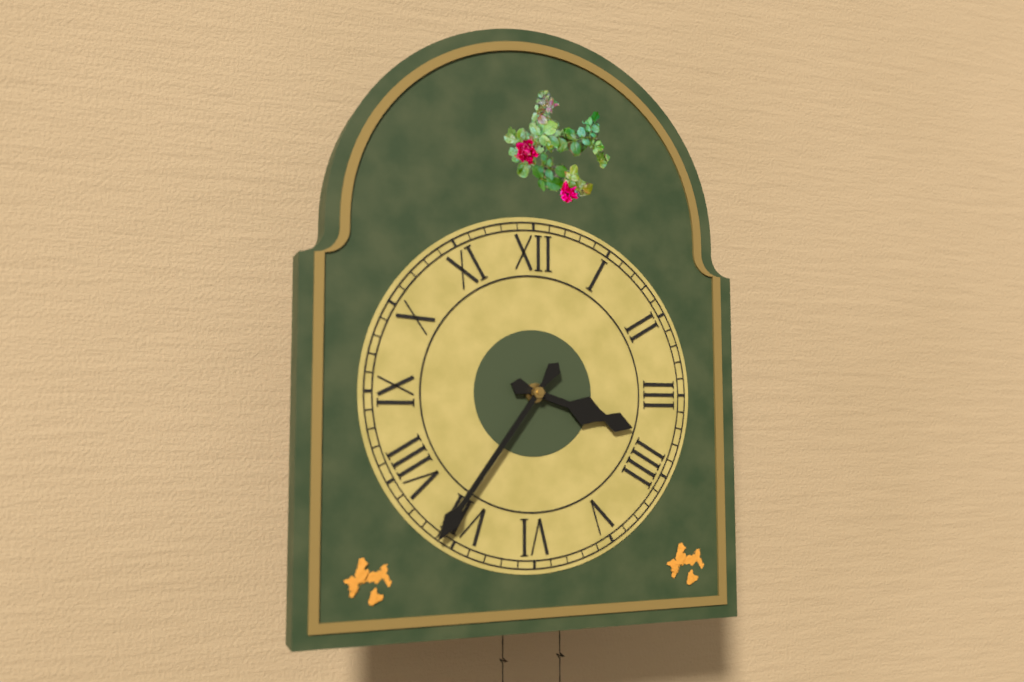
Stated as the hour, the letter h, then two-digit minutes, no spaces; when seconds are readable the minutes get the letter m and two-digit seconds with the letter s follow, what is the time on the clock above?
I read 3h36
